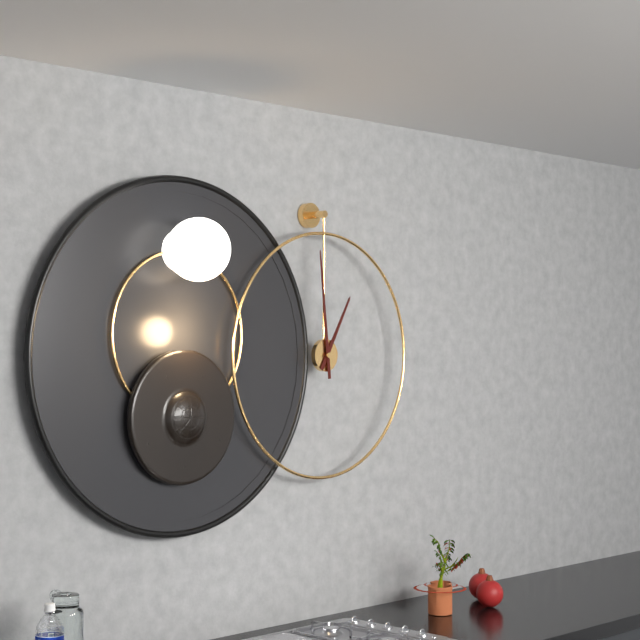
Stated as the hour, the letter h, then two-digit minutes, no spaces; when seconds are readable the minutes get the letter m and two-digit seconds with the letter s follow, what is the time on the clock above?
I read 12h59
